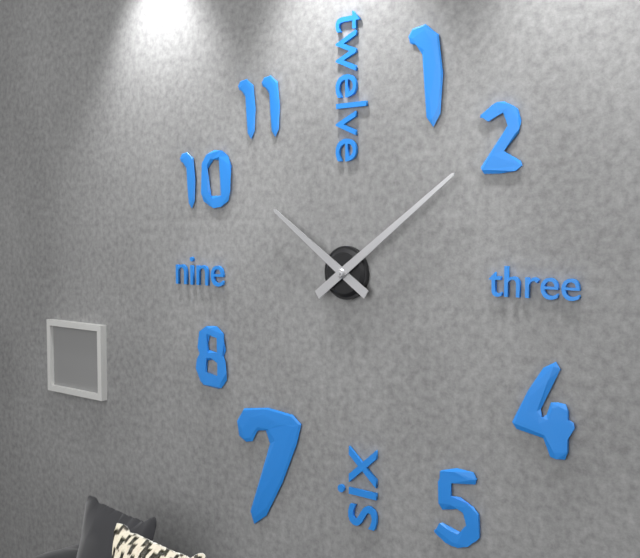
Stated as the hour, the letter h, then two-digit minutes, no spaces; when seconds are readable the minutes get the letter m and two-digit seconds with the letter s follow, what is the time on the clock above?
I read 10h09
